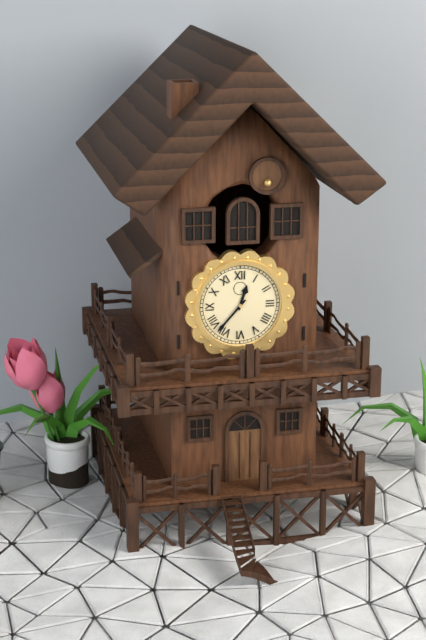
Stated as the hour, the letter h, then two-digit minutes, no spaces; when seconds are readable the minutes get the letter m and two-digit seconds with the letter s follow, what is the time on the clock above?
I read 12h37
